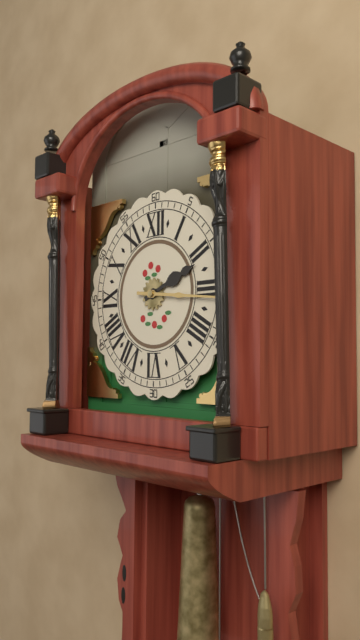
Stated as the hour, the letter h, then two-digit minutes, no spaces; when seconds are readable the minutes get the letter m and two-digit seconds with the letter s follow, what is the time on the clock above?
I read 2h16
